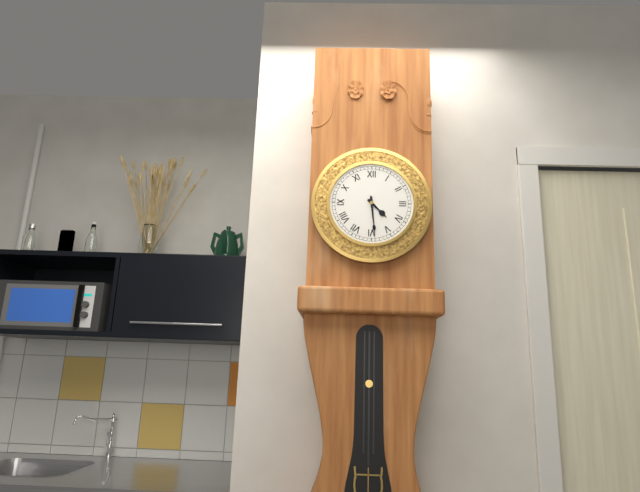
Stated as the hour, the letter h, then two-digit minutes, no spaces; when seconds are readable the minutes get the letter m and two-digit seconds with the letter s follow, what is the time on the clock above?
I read 4h29
